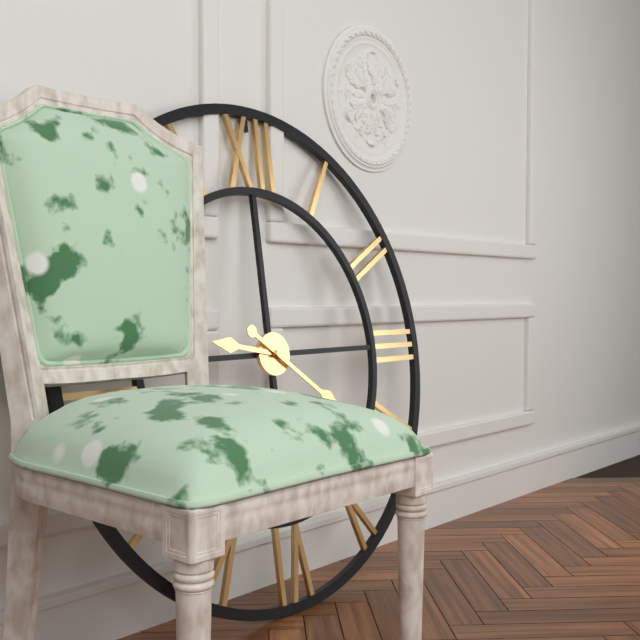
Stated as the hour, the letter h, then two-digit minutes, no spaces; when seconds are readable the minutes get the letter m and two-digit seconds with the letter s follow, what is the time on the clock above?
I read 9h21
